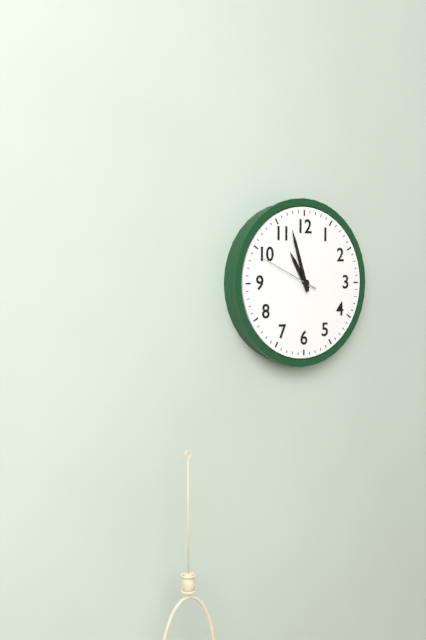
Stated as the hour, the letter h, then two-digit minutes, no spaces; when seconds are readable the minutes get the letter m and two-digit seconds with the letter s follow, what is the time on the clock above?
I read 10h57m49s
